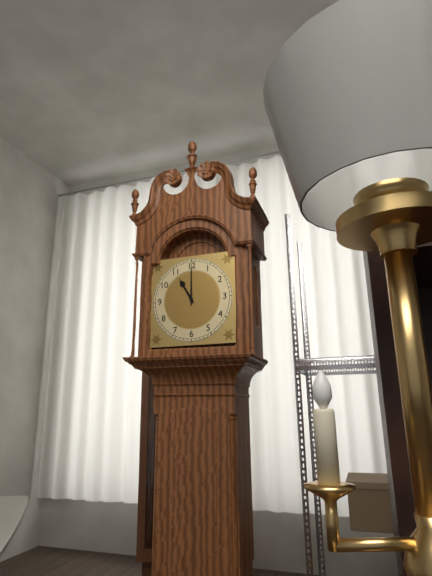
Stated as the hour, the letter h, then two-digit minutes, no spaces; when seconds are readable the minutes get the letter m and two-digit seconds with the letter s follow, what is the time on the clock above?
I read 11h00
